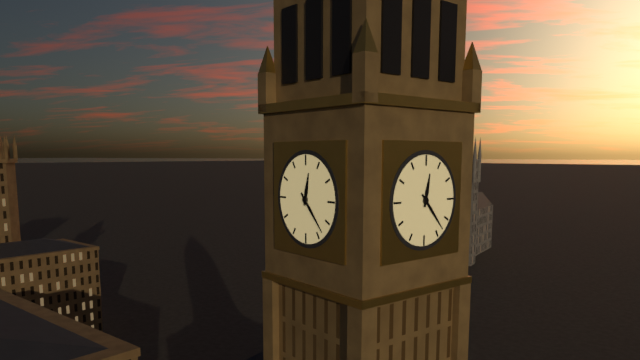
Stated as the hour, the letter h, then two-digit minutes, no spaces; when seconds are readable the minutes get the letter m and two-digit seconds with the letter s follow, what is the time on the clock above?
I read 12h23
